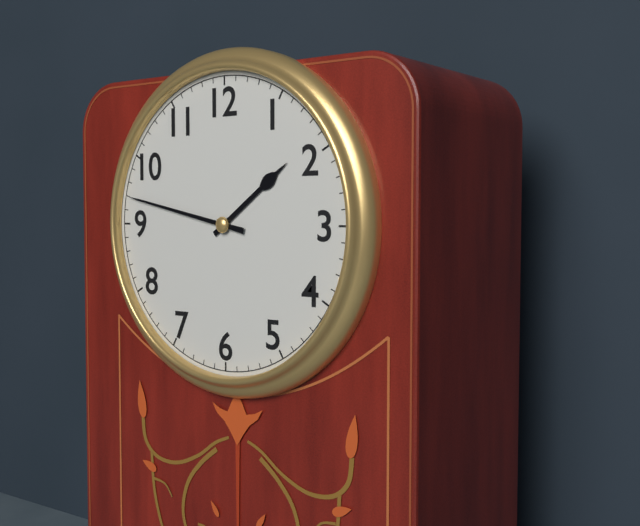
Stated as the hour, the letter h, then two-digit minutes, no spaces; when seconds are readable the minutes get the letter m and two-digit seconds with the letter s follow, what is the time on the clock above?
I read 1h47
